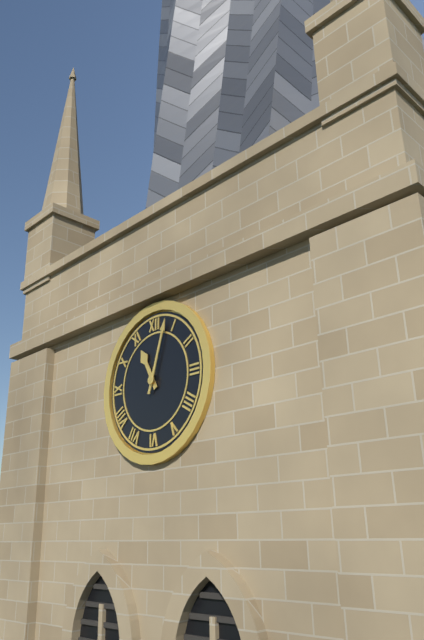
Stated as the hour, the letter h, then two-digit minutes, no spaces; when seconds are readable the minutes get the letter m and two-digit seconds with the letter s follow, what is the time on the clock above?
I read 11h03
